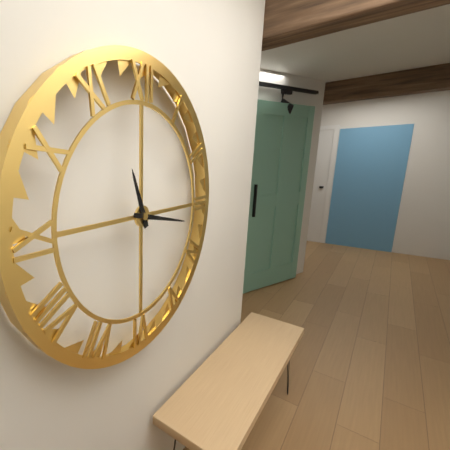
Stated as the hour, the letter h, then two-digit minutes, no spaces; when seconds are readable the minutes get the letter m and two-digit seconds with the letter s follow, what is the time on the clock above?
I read 11h17
